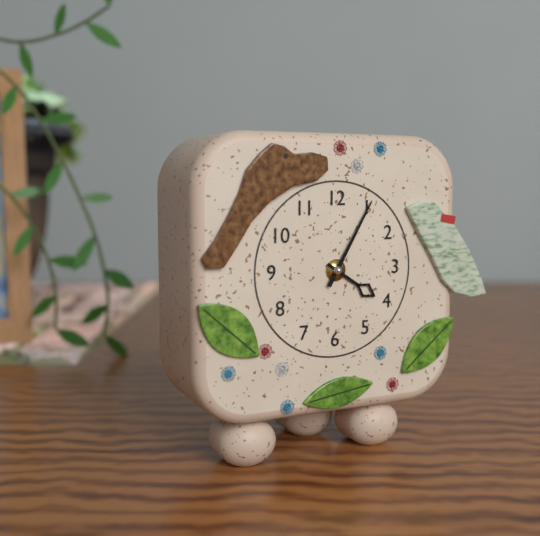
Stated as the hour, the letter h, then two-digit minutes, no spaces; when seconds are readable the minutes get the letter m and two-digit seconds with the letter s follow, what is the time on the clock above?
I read 4h05
